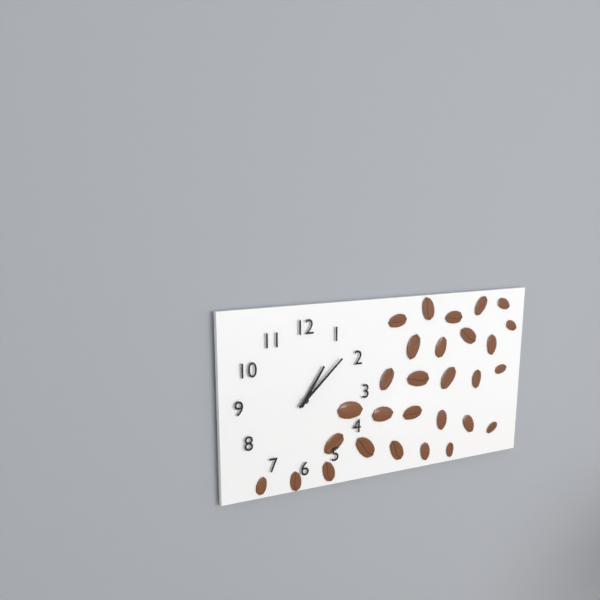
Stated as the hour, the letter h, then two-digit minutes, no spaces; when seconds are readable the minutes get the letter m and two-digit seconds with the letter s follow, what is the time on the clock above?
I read 1h08
